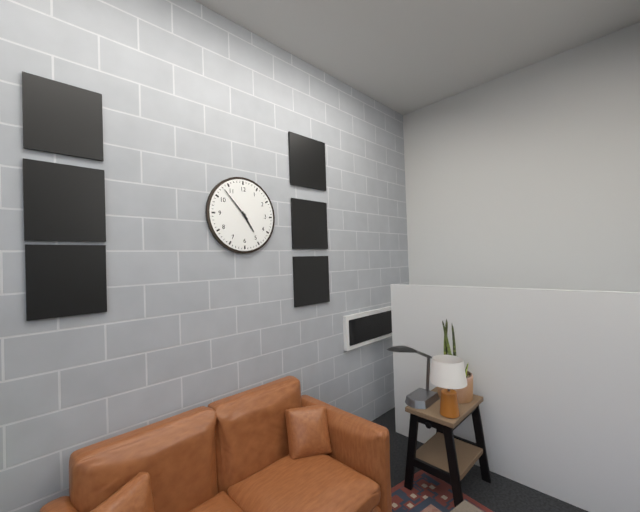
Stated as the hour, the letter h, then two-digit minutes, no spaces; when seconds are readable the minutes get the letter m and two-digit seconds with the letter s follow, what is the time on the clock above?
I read 4h53
